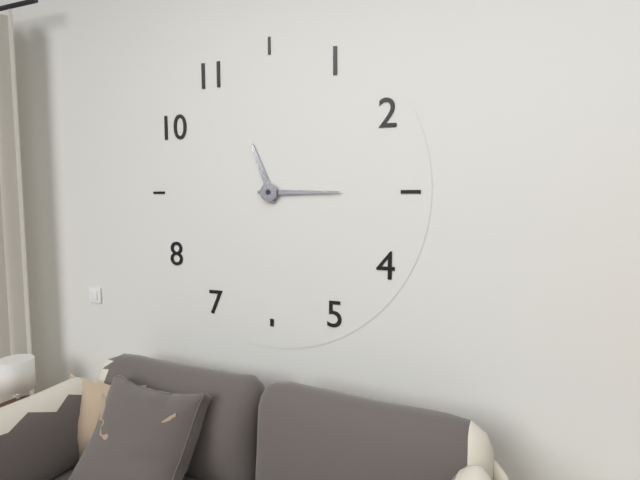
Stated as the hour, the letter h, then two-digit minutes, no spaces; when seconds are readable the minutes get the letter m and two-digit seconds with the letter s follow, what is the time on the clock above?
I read 11h15
